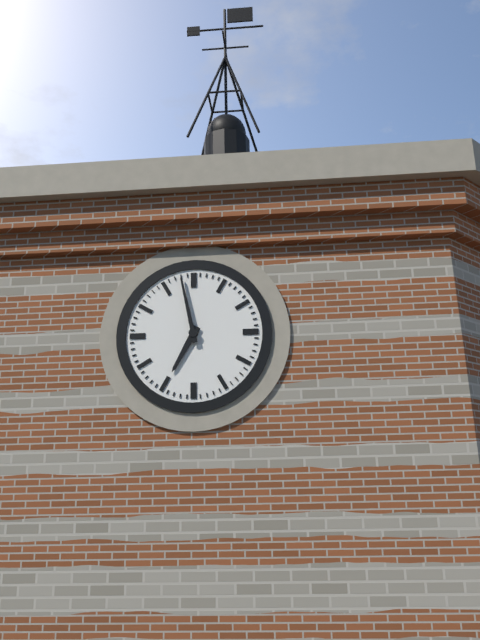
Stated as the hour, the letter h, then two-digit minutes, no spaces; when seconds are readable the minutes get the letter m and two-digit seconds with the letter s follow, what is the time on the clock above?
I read 6h58
